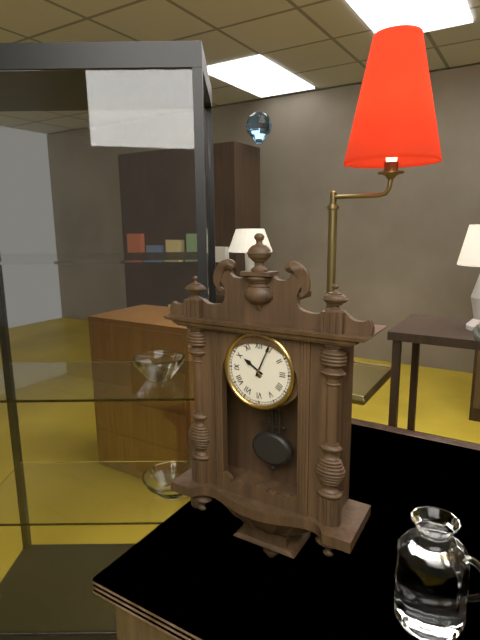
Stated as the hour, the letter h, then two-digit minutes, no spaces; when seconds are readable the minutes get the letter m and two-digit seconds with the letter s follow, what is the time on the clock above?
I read 10h04
